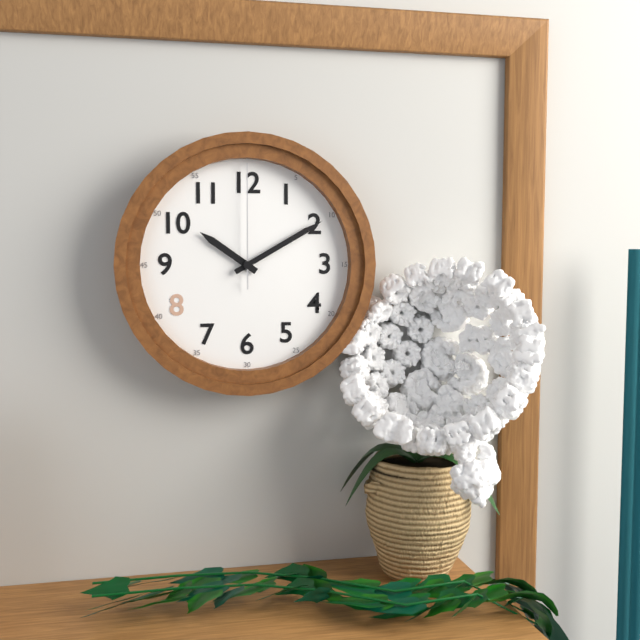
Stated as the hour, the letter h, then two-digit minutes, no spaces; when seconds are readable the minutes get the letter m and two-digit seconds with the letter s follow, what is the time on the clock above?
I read 10h10m00s
